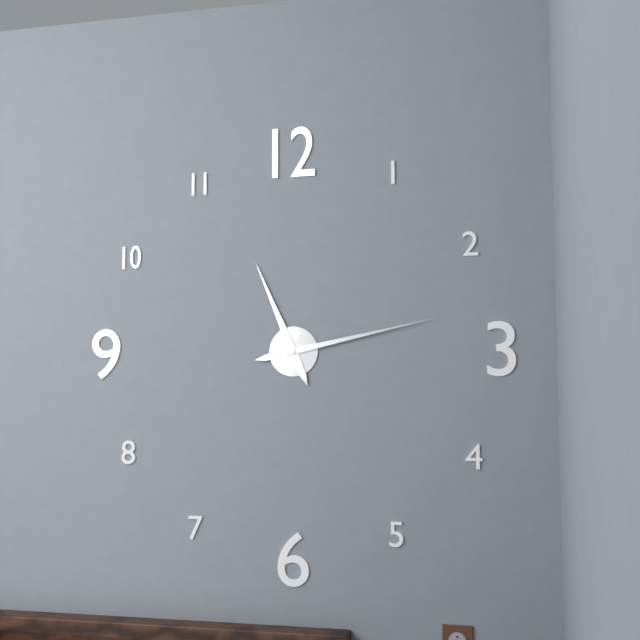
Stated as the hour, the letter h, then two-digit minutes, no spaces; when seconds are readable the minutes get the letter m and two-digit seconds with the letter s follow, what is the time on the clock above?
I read 11h13
